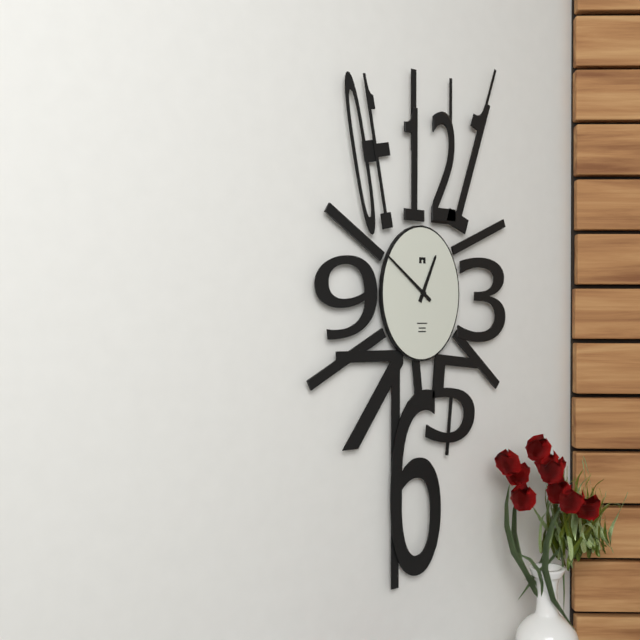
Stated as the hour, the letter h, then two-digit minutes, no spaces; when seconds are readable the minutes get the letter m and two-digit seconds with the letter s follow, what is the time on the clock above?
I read 12h51
